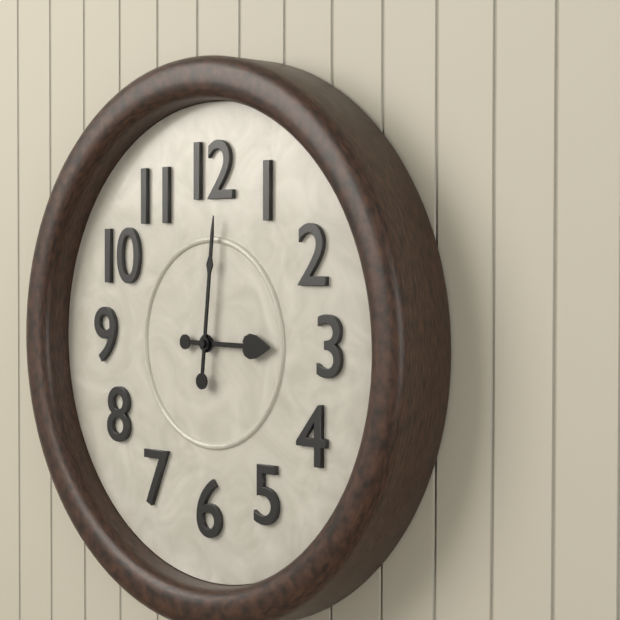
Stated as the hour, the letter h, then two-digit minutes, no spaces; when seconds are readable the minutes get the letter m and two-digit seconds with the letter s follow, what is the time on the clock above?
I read 3h01
